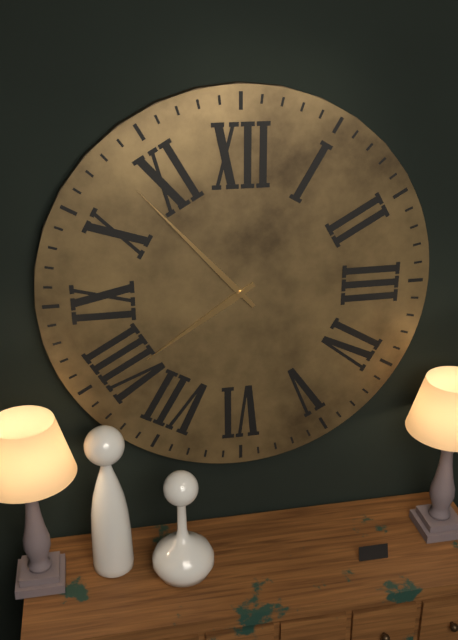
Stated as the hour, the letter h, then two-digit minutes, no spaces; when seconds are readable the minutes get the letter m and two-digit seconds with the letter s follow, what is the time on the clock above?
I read 7h53
